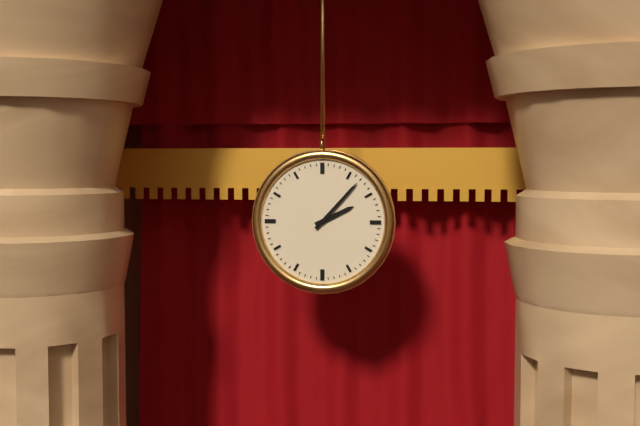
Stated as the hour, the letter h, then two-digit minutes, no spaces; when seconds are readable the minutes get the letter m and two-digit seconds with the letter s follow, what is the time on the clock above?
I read 2h07
